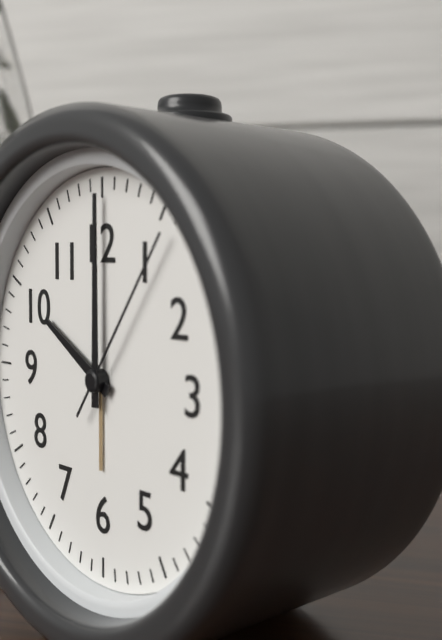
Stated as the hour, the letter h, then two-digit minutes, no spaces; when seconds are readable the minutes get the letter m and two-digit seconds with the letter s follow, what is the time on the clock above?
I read 10h00m06s
